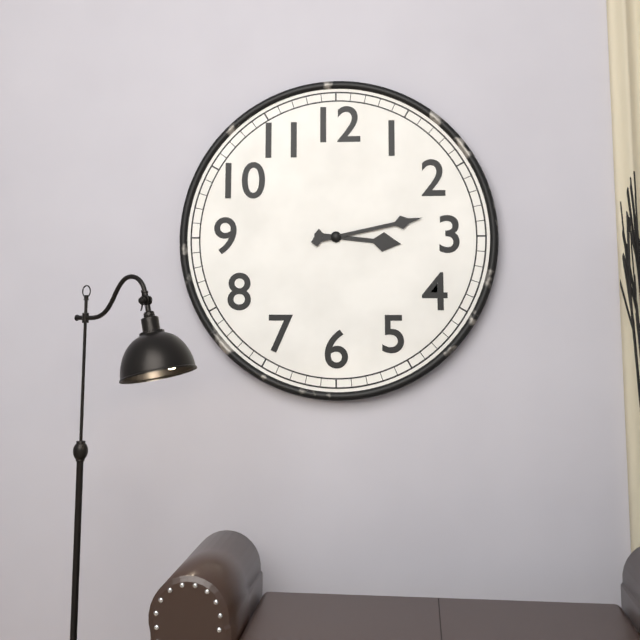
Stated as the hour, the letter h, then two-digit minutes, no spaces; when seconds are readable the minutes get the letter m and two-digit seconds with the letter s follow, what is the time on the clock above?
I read 3h13
